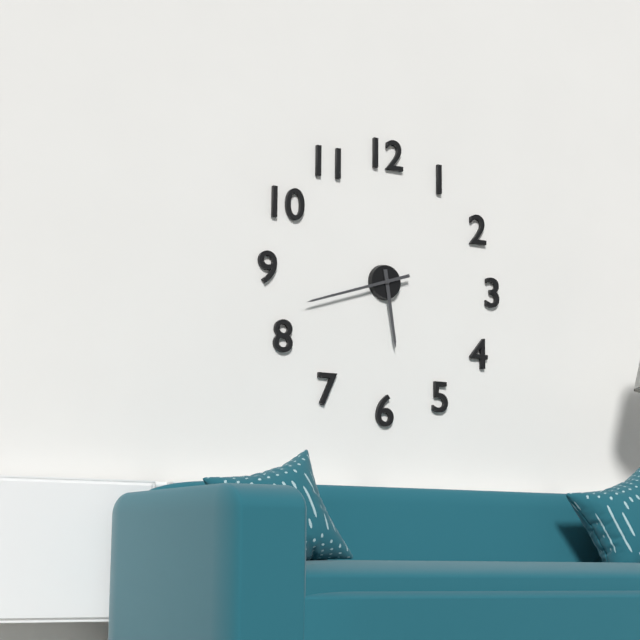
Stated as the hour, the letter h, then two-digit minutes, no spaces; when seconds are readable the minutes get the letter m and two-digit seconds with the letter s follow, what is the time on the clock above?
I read 5h42
